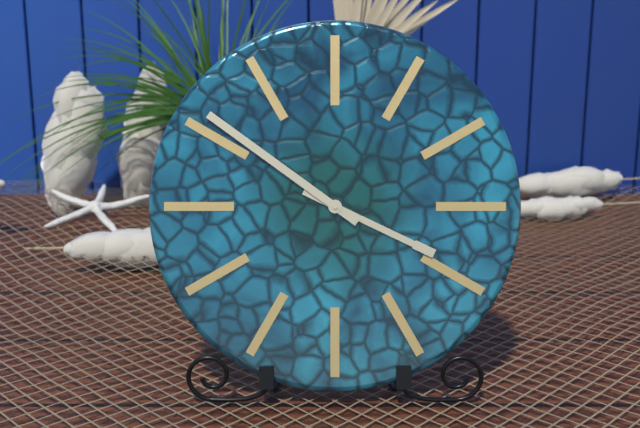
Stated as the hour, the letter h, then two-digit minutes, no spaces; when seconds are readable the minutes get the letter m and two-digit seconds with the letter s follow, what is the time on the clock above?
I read 3h51
